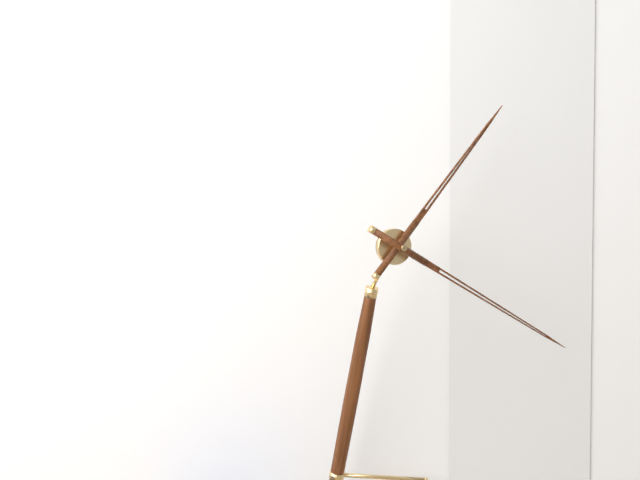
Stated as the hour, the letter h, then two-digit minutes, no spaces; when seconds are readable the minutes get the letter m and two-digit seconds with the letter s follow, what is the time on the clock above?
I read 1h20
